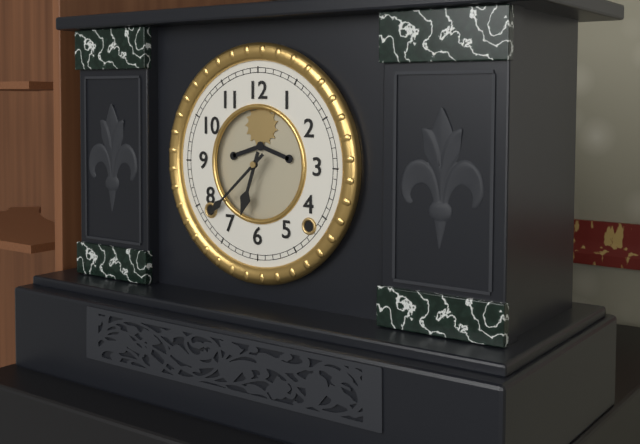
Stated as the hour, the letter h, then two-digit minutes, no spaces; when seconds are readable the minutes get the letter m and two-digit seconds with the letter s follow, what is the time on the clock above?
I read 6h38
